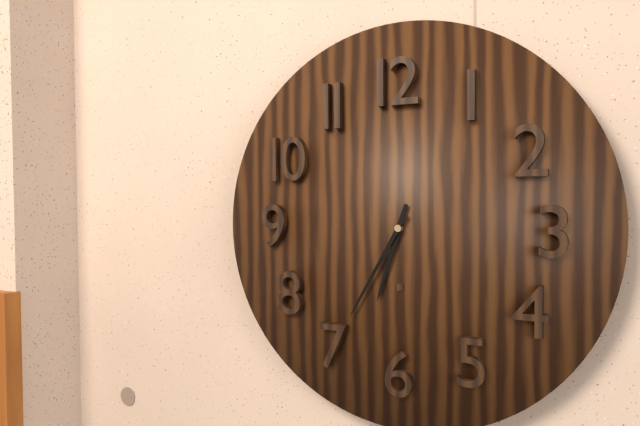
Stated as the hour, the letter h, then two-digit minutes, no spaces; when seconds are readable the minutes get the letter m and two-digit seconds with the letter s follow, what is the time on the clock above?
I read 6h35
